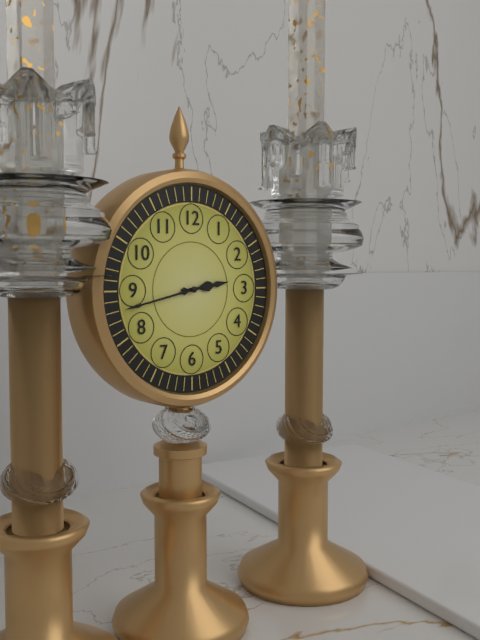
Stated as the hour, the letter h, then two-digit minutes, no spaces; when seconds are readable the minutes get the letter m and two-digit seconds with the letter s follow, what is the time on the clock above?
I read 2h43
